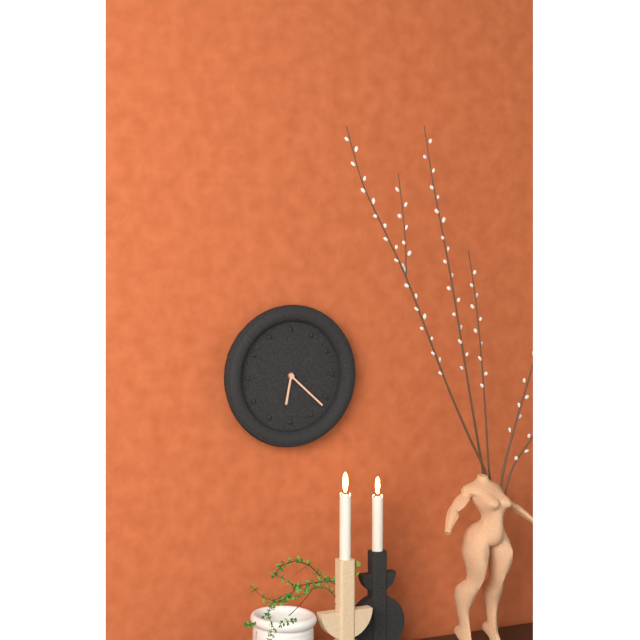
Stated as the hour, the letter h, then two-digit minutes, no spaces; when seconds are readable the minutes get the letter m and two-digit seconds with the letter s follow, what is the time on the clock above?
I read 6h22
